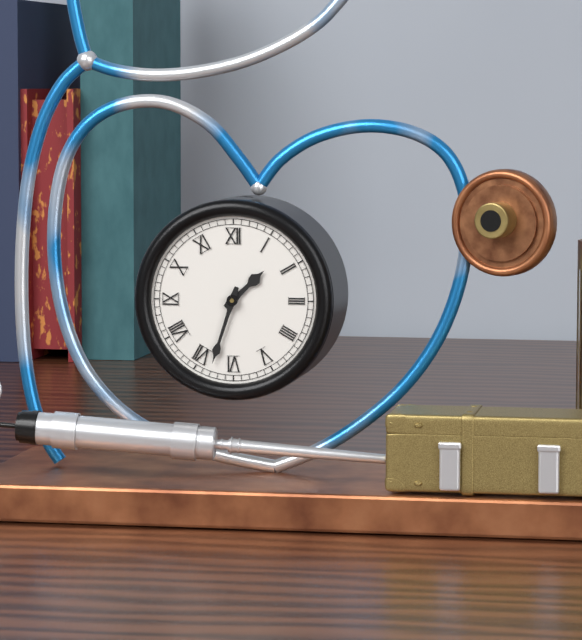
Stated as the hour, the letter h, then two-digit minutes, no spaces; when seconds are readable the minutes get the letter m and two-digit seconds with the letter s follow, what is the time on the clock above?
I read 1h33
